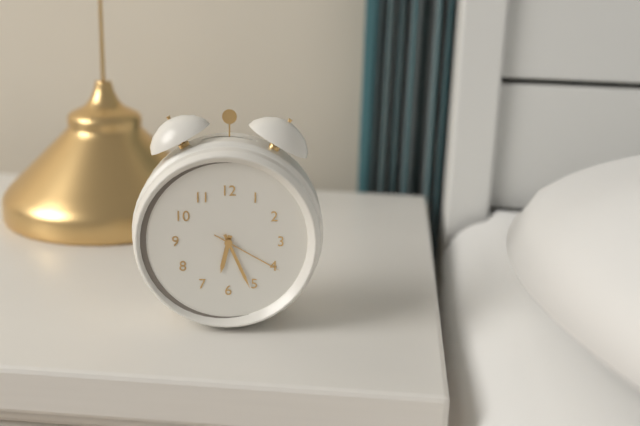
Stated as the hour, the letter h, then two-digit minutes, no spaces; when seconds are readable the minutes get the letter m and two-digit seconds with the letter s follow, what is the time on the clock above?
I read 6h26m20s
